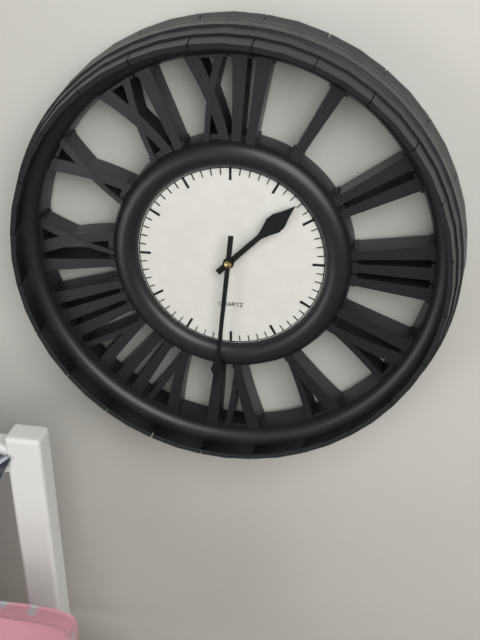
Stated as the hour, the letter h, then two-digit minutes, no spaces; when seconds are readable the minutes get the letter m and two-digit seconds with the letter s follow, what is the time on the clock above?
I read 1h31
